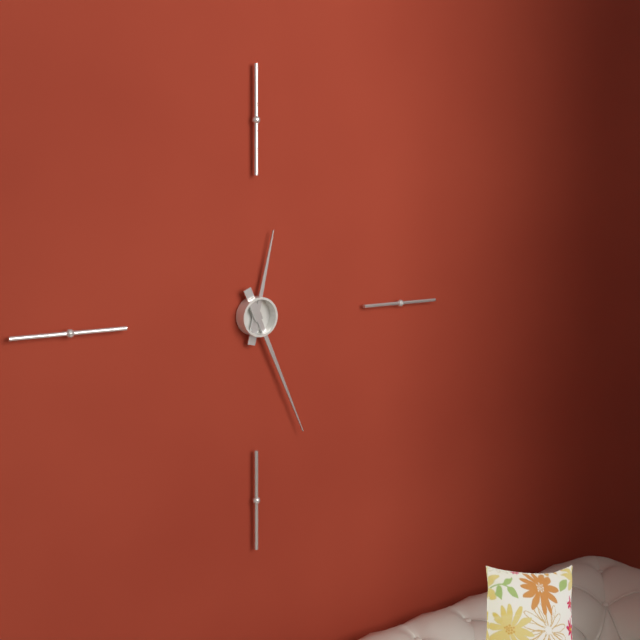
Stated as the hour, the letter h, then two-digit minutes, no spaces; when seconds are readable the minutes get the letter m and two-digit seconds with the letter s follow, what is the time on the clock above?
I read 12h26
